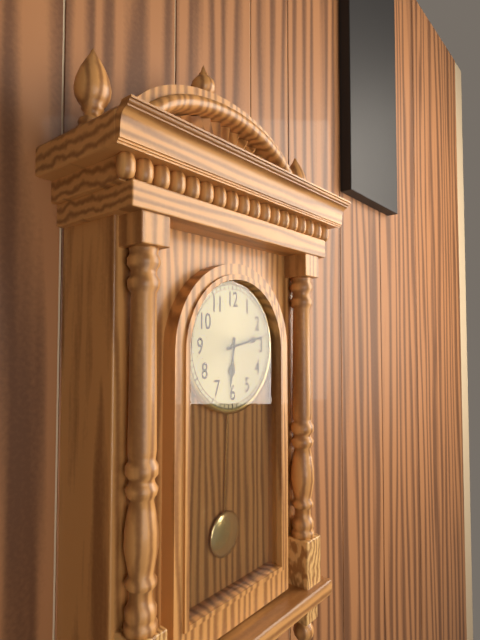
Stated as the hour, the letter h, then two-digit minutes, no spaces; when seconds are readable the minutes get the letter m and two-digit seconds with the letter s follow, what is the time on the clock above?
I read 6h13
